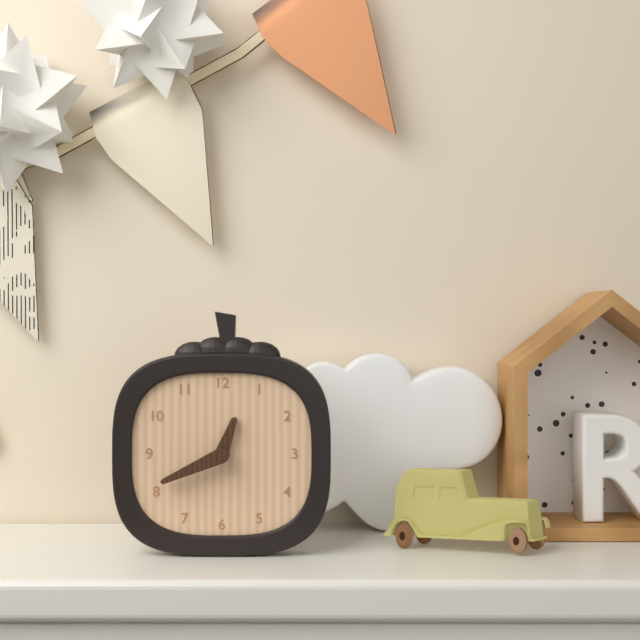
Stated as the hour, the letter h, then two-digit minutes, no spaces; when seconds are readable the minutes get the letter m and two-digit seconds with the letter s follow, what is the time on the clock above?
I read 12h41
